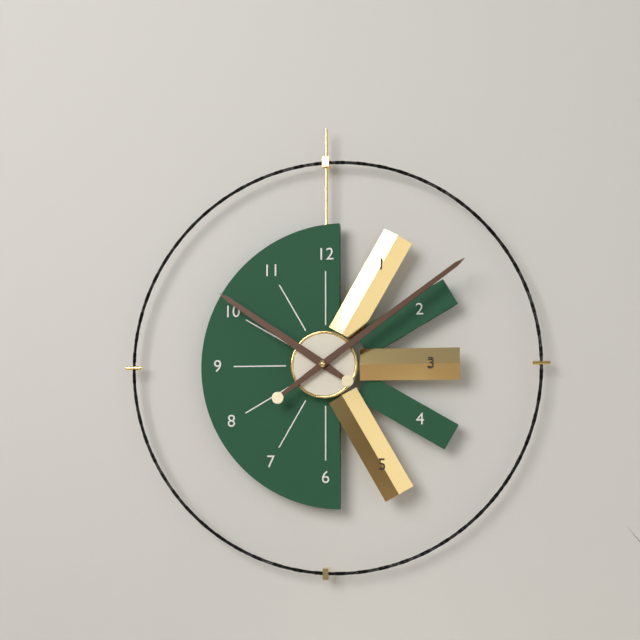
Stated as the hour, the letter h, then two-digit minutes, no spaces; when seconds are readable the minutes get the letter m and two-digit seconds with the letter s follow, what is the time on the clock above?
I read 10h09
